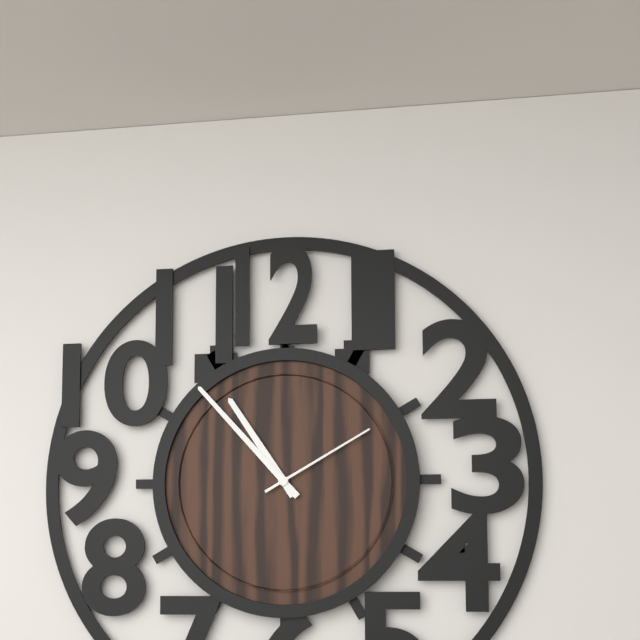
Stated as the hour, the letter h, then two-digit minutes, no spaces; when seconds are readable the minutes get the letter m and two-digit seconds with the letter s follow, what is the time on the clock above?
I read 10h53m10s
